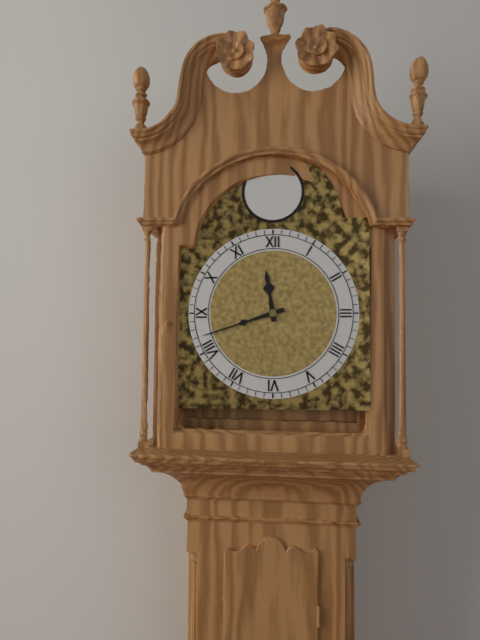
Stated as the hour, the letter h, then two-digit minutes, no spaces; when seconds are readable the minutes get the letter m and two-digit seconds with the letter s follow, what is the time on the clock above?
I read 11h42
